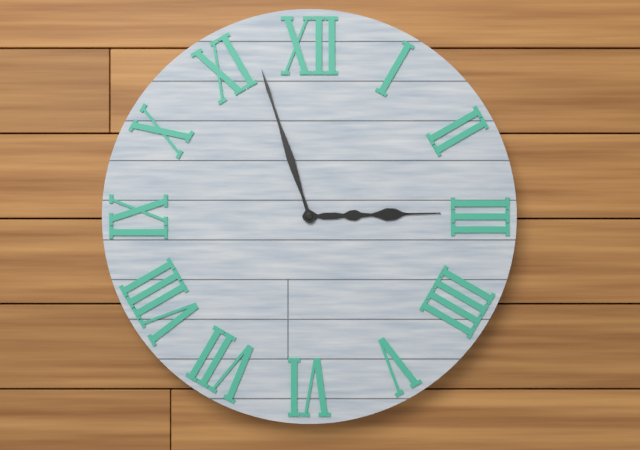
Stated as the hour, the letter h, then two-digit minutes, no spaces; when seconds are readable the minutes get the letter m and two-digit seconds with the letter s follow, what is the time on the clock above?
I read 2h57
